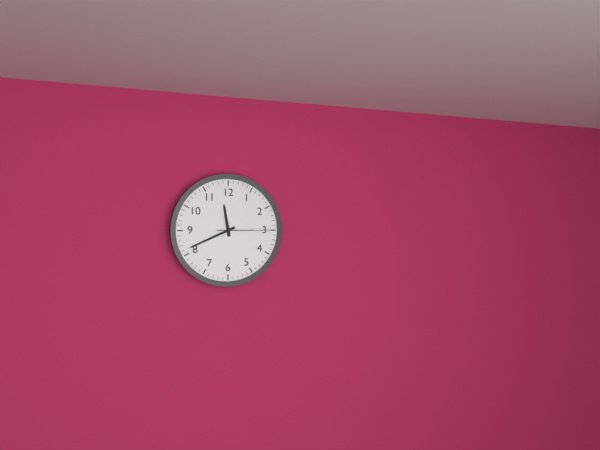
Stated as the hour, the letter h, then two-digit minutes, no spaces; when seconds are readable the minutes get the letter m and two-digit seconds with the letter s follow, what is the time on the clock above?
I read 11h41m15s
